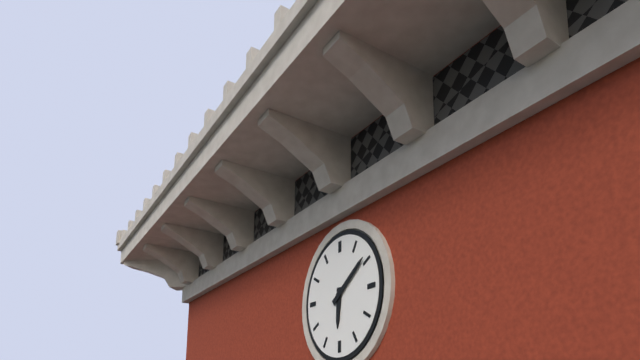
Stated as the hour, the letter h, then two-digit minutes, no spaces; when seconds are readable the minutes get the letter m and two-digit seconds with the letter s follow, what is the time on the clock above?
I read 6h09
